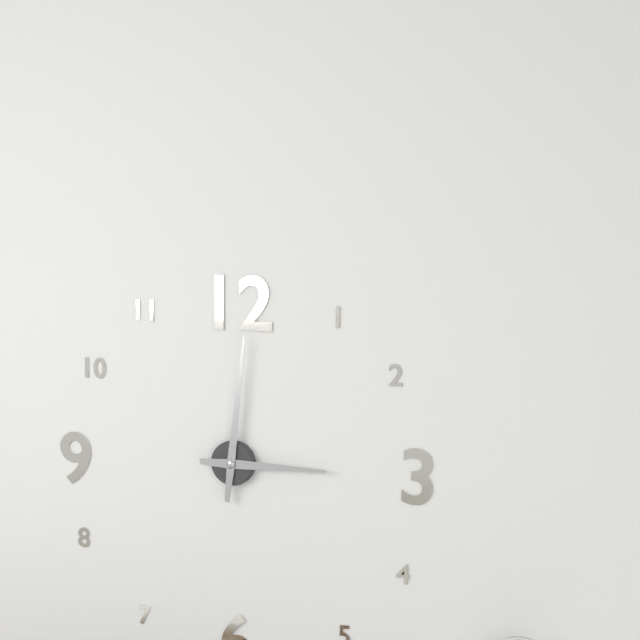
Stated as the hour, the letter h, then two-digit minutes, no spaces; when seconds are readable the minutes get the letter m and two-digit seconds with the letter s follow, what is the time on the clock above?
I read 3h01
